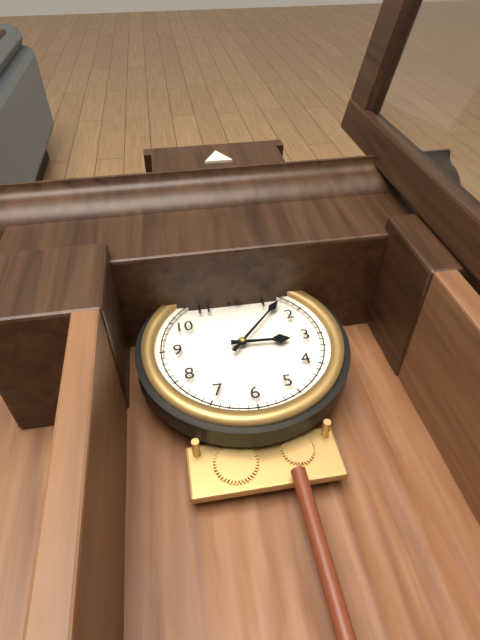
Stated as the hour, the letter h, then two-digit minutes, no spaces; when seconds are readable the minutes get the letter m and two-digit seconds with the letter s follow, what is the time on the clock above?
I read 3h07
